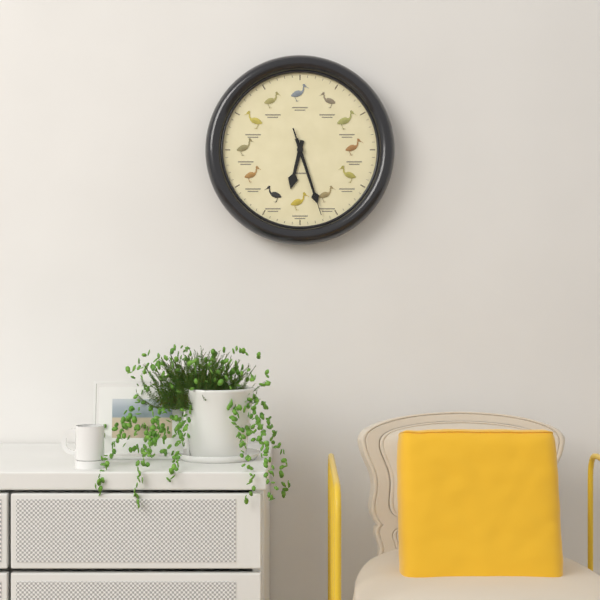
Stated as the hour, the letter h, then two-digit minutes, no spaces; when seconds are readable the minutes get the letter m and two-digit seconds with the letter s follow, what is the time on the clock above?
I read 6h27m27s
